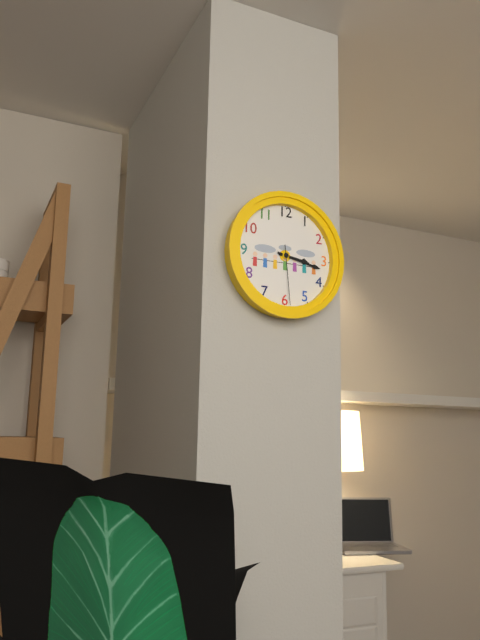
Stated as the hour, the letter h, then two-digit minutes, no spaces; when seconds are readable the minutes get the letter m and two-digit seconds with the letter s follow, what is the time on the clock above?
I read 3h17m29s
